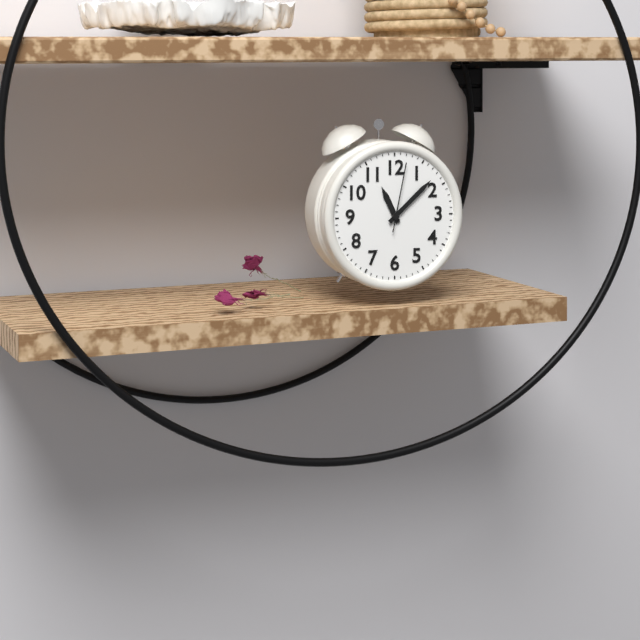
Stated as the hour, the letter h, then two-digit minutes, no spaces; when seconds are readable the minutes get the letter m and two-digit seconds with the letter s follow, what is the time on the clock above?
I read 11h08m02s
